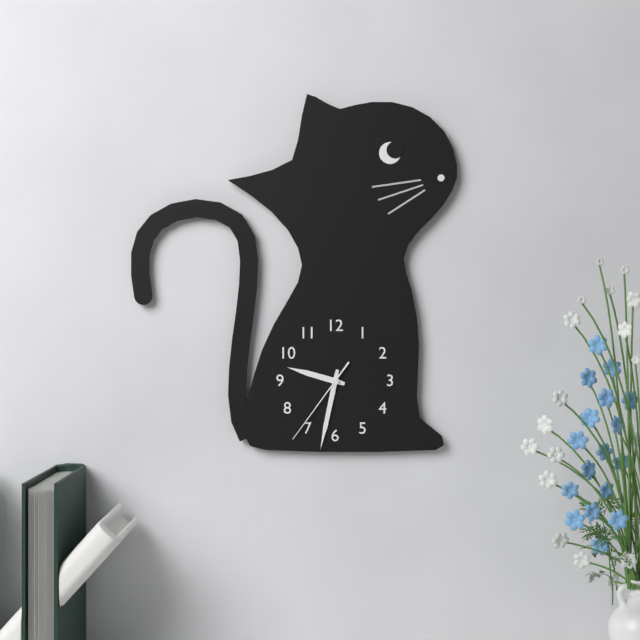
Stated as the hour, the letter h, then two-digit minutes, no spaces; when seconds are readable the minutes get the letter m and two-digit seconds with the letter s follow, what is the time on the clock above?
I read 9h32m36s
